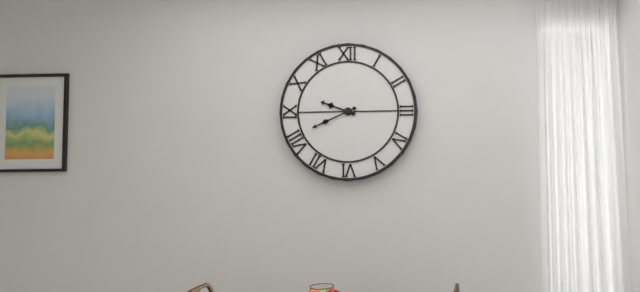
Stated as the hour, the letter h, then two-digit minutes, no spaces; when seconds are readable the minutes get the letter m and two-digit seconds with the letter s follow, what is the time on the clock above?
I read 9h41
